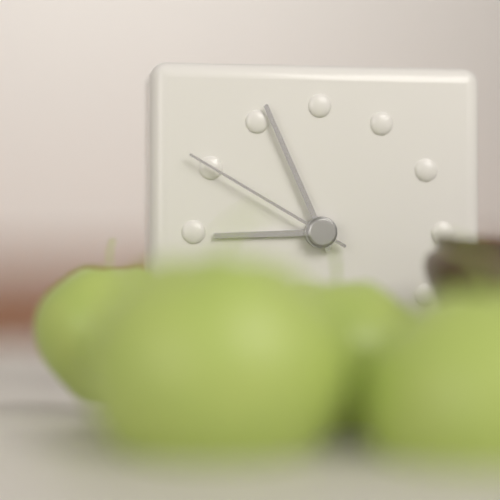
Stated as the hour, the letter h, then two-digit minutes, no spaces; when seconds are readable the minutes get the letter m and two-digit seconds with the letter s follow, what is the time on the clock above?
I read 8h56m50s
